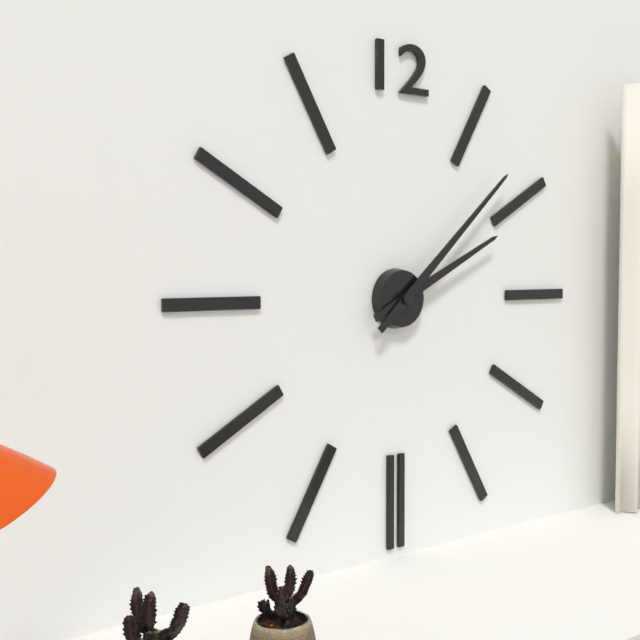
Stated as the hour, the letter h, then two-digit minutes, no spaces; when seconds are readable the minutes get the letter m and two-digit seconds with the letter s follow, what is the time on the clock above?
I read 2h08
